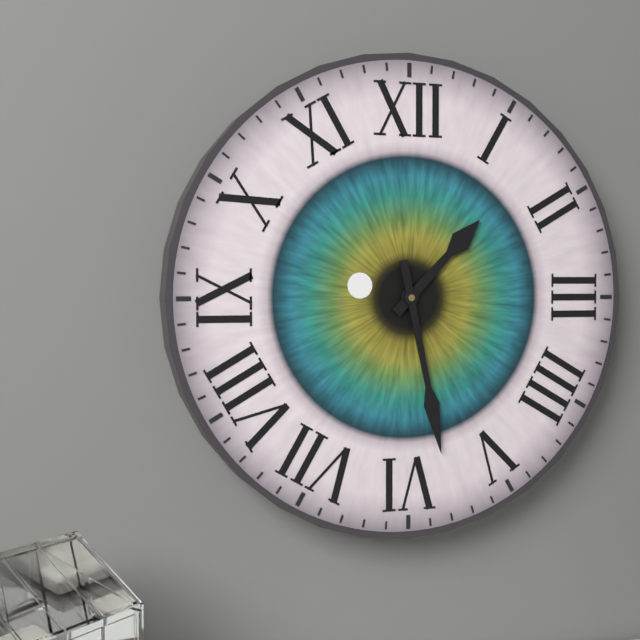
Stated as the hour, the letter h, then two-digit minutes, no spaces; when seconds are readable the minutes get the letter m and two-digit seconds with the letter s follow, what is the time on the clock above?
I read 1h28
